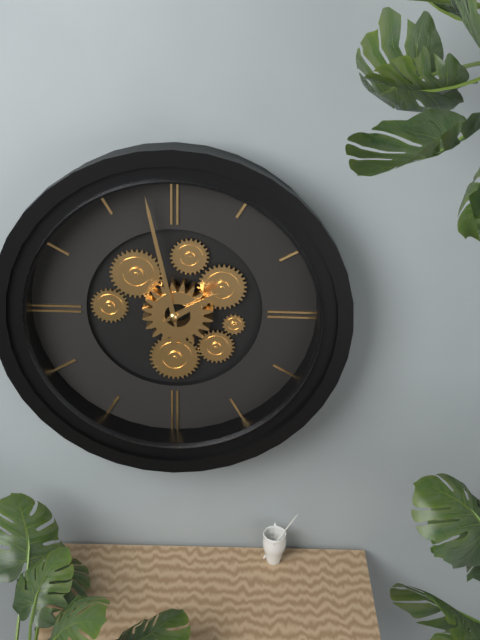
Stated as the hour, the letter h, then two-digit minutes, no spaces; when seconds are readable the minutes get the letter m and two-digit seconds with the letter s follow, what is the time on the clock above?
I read 1h58
